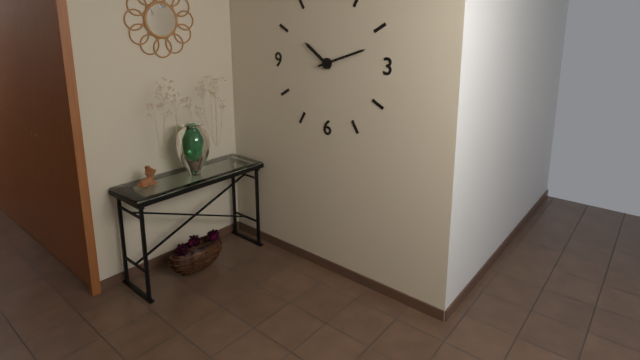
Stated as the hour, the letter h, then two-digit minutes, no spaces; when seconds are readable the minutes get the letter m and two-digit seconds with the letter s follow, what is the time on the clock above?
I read 10h12
